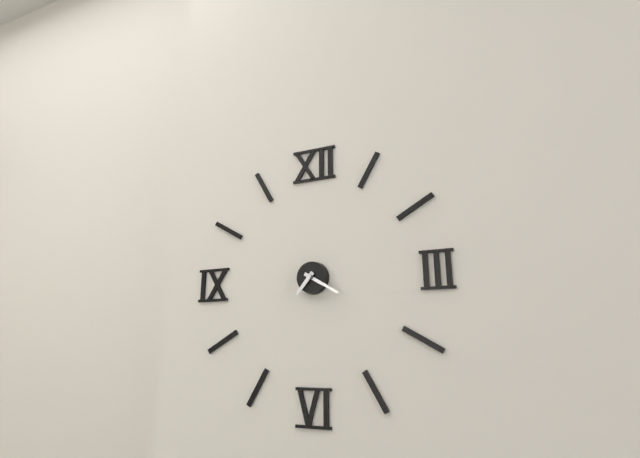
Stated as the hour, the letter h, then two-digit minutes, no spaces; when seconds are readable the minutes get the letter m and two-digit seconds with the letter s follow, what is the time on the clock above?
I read 7h20
